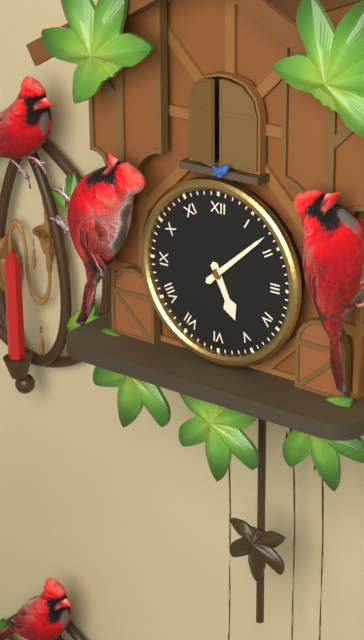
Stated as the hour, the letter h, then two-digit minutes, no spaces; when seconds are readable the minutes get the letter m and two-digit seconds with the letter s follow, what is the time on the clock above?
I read 5h08
